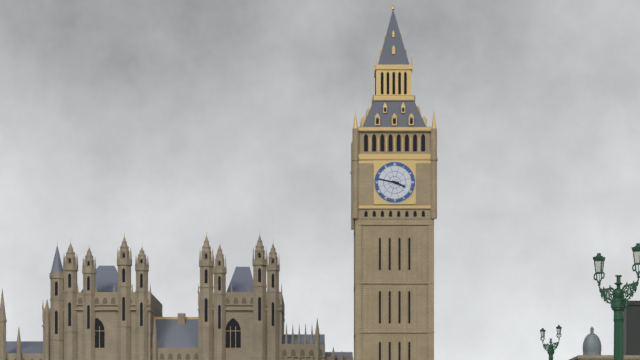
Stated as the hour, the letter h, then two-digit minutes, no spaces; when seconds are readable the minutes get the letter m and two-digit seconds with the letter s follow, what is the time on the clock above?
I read 3h47
